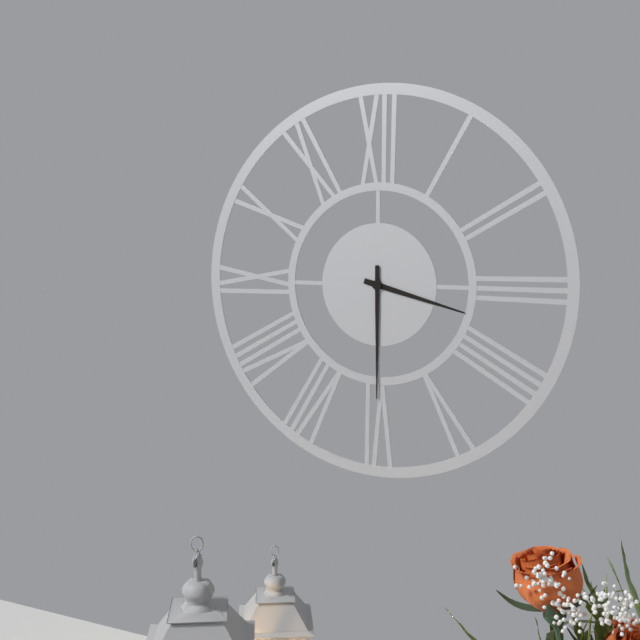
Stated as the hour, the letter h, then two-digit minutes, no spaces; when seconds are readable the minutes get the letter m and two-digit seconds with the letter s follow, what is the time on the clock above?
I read 3h30
